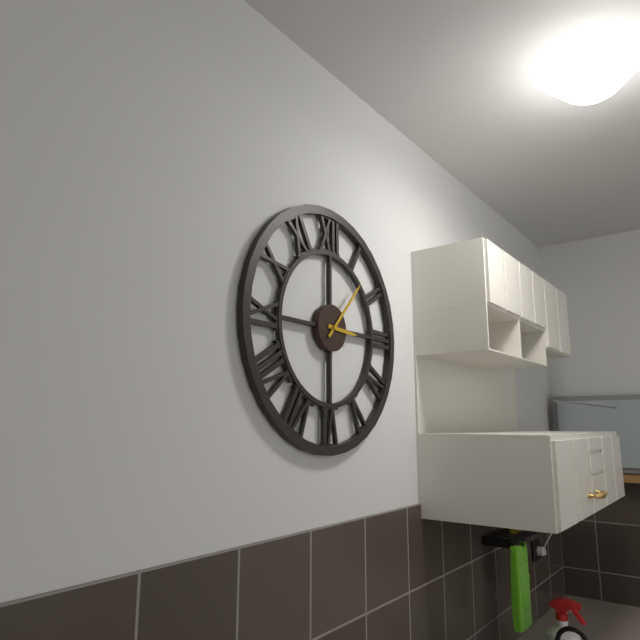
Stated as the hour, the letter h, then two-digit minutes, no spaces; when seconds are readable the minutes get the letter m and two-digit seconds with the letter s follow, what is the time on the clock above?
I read 3h07
